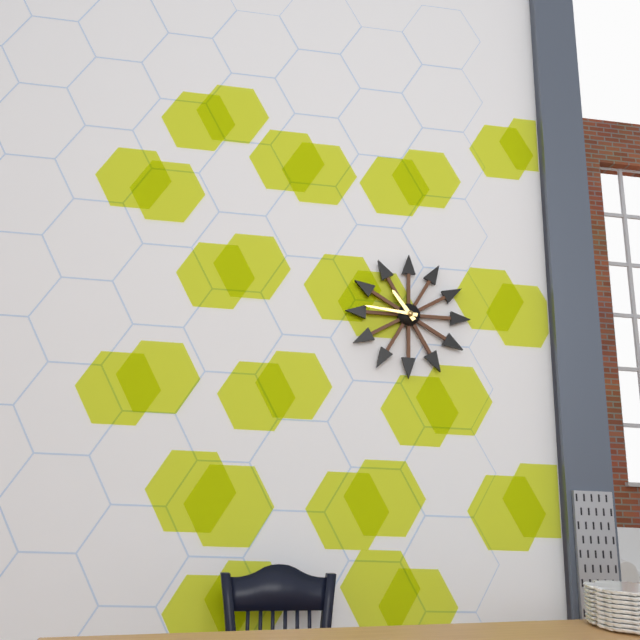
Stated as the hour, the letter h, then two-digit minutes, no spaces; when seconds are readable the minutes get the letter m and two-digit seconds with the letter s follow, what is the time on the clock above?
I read 10h46
